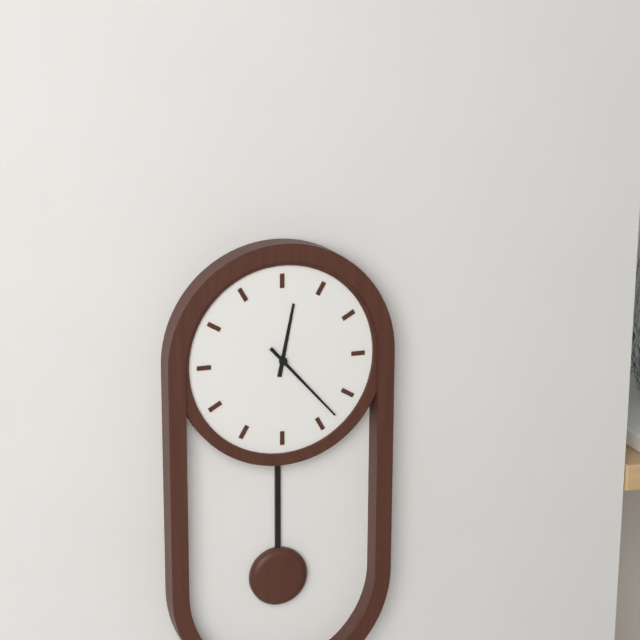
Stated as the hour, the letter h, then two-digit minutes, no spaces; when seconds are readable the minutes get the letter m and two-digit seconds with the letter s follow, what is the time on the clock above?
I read 12h23
